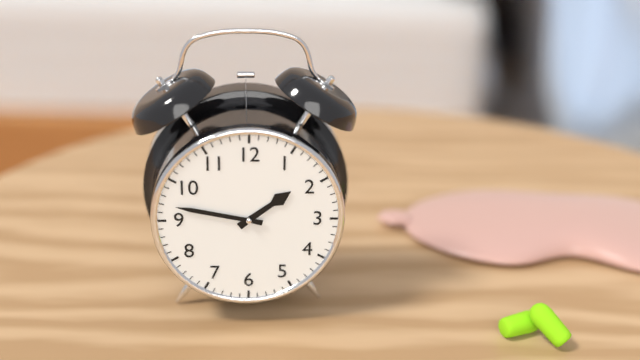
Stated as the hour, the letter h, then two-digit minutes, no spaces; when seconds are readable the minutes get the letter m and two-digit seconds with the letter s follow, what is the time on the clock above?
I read 1h47
